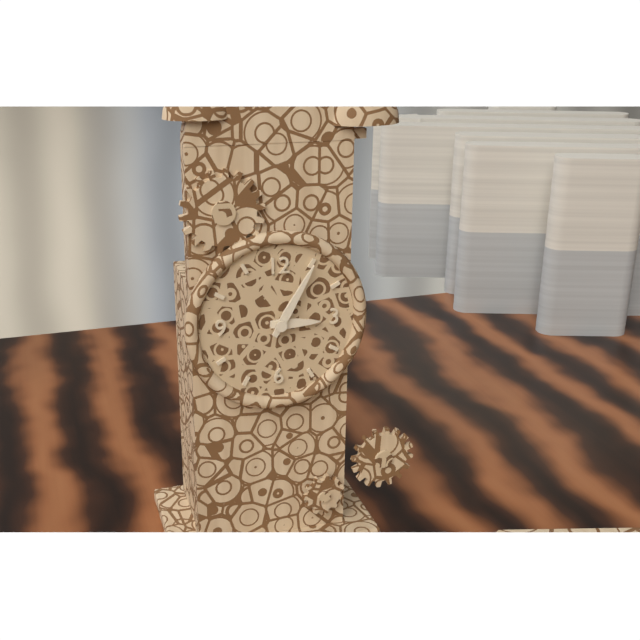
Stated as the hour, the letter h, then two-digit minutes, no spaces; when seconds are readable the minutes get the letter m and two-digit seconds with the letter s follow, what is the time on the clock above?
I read 3h05
